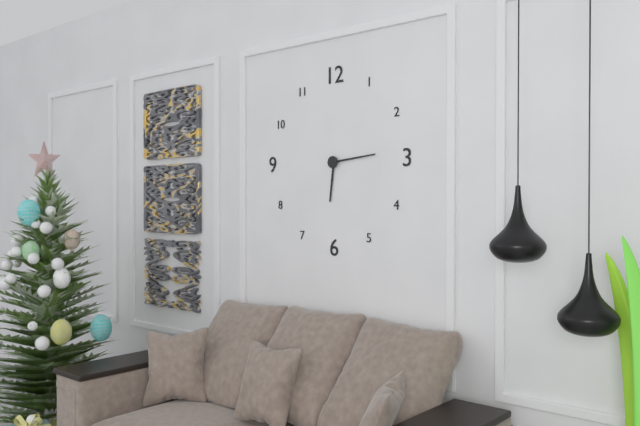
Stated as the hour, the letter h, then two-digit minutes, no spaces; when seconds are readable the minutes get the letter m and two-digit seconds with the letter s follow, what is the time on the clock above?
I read 6h14
